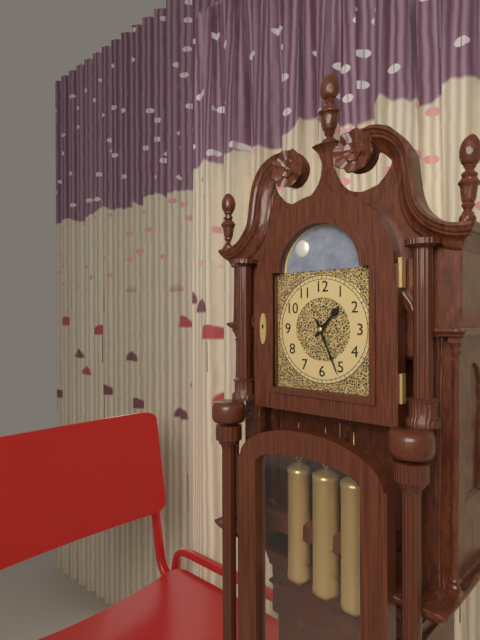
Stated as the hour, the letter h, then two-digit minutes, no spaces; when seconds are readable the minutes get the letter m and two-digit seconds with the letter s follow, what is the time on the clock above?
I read 1h26
